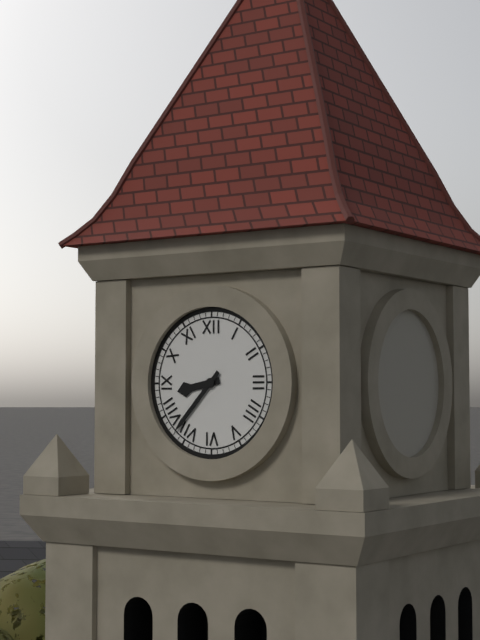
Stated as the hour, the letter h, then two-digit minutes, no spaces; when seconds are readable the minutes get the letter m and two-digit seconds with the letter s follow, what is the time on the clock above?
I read 8h37
